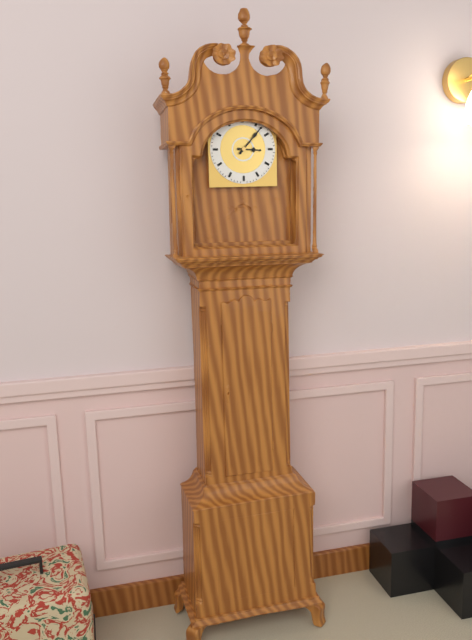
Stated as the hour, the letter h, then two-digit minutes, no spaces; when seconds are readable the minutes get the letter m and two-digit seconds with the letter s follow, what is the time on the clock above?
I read 3h07
